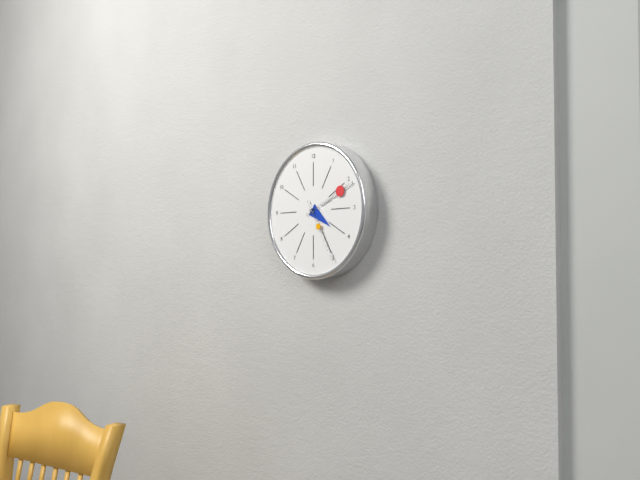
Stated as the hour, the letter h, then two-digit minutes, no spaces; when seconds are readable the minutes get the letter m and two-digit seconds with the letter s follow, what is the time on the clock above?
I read 4h11m25s
